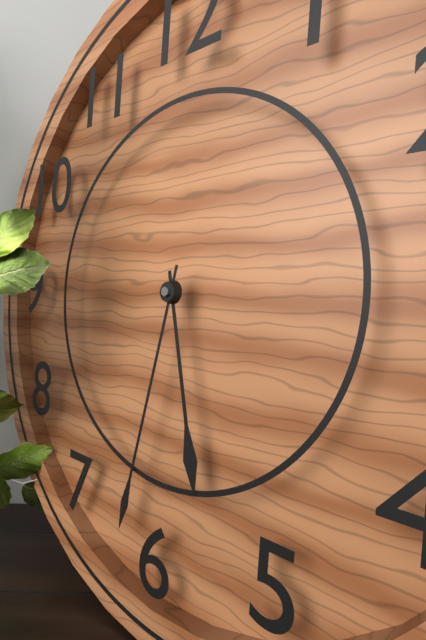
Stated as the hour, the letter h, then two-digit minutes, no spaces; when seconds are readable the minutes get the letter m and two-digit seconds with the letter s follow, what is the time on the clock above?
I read 5h32
